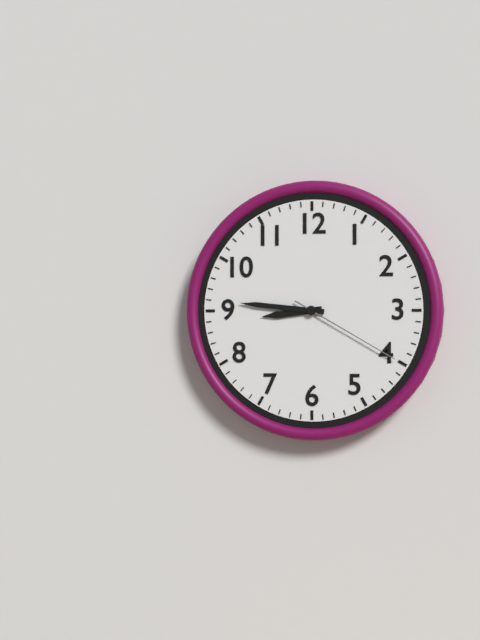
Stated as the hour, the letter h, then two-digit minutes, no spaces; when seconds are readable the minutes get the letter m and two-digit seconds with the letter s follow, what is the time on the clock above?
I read 8h46m20s
